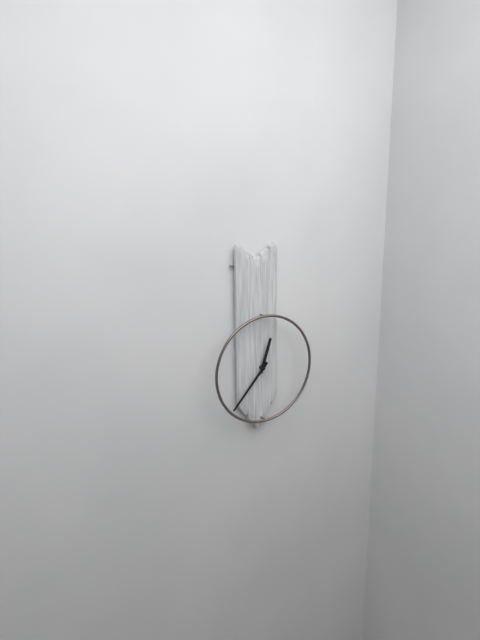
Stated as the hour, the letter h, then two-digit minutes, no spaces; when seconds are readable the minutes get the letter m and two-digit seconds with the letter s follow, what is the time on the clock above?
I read 12h37
